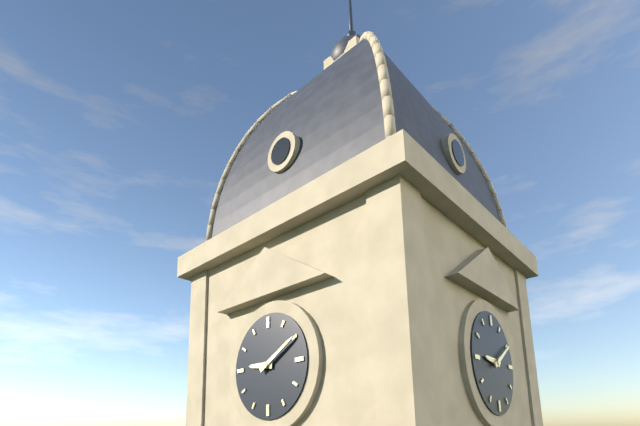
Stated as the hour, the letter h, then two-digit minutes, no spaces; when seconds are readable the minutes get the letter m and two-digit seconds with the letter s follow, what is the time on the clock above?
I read 9h10
